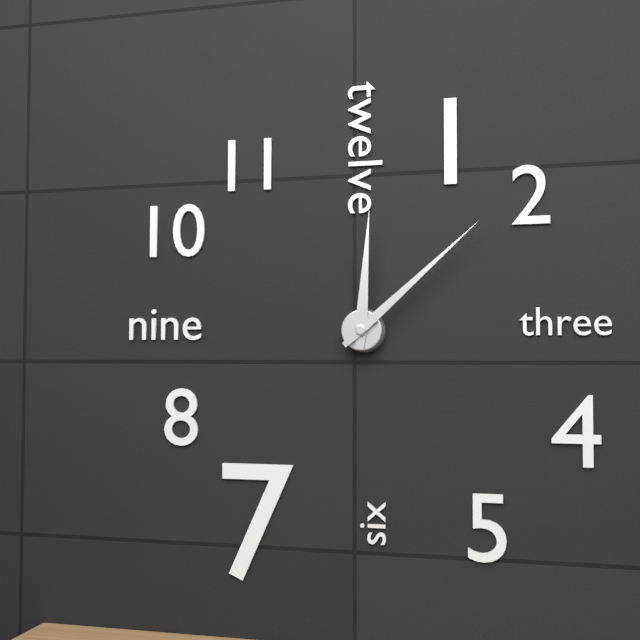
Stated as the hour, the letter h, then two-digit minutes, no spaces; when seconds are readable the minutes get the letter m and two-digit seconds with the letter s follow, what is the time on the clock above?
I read 12h08
